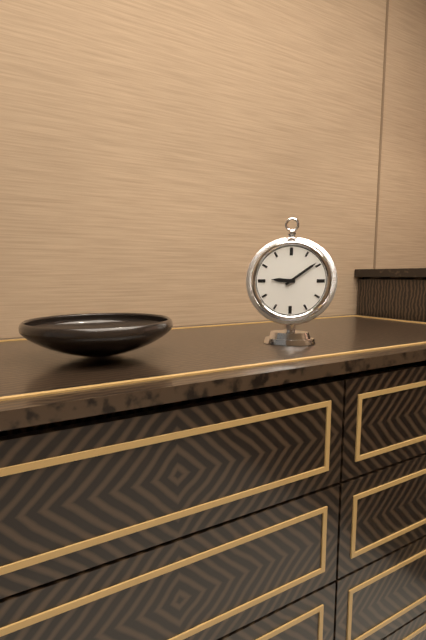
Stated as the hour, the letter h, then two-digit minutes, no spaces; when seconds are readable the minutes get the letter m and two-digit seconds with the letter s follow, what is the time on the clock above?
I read 9h09
